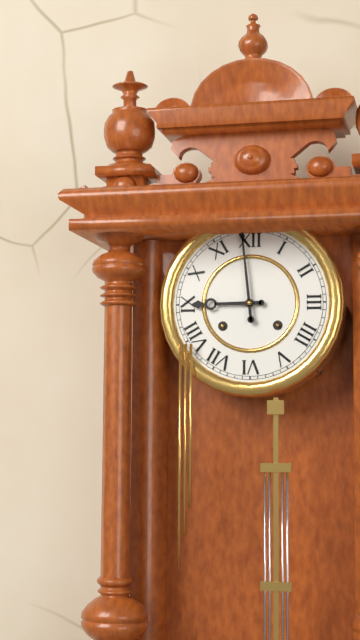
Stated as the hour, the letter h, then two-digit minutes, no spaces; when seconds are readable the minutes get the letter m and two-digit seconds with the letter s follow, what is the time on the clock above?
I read 8h59
